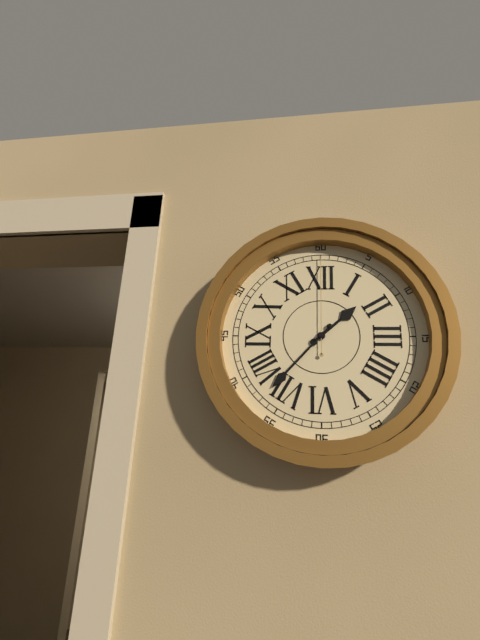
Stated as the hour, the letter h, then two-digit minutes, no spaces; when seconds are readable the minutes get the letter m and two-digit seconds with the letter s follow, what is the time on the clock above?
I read 1h37m00s
